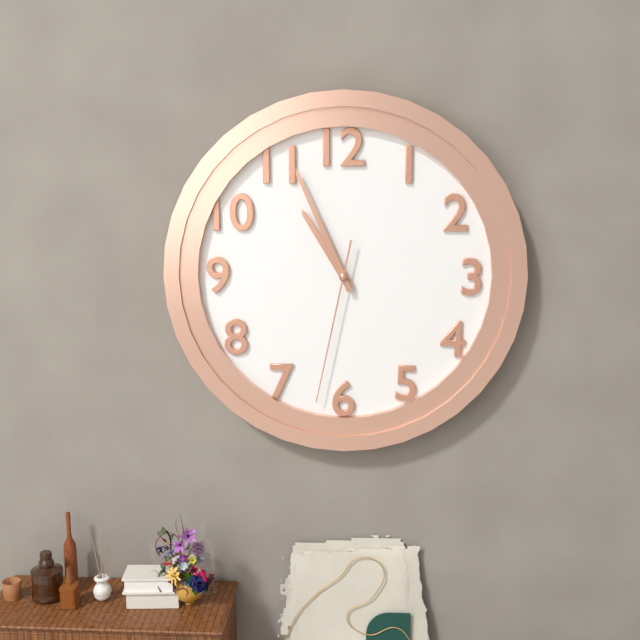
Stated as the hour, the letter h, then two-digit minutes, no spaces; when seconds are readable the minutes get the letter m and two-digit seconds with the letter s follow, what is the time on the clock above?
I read 10h56m32s
